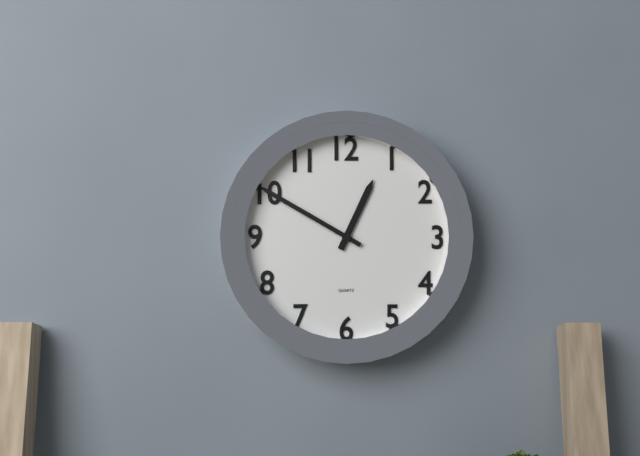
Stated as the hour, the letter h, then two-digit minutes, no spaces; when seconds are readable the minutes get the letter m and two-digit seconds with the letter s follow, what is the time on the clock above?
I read 12h50
